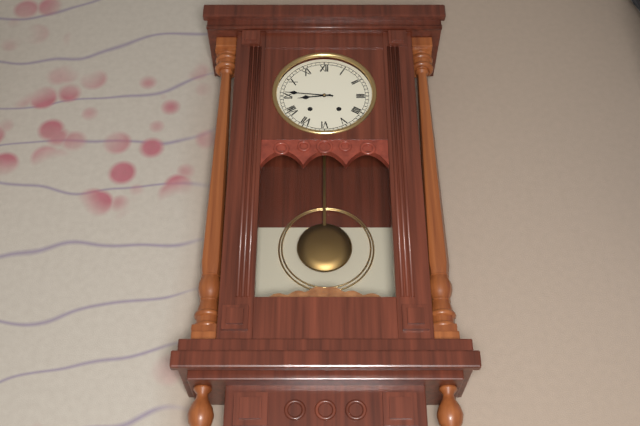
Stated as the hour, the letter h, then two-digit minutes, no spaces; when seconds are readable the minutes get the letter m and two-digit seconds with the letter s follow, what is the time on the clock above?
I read 8h46
